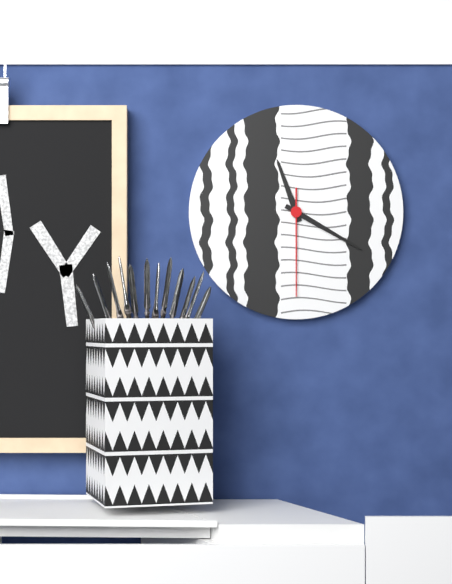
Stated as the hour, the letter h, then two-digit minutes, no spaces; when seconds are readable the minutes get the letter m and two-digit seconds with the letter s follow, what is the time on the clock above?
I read 11h20m30s
